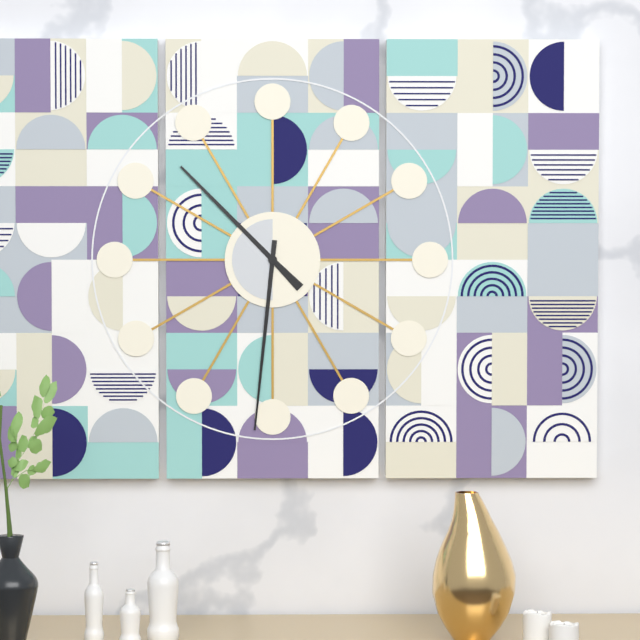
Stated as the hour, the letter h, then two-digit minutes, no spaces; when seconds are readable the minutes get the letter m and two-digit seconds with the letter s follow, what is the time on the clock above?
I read 10h31
